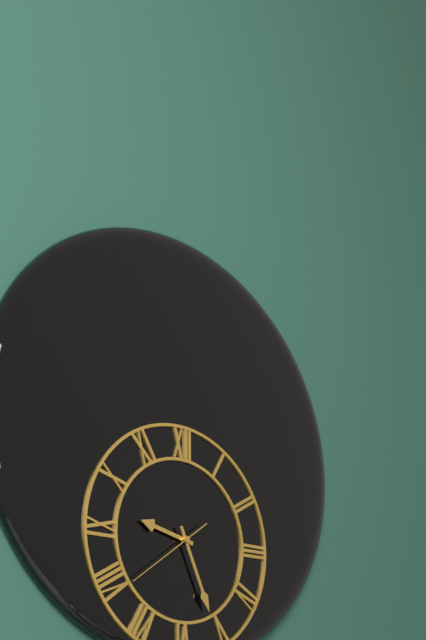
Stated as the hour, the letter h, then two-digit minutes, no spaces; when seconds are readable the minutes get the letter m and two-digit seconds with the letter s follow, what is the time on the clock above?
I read 9h26m39s
